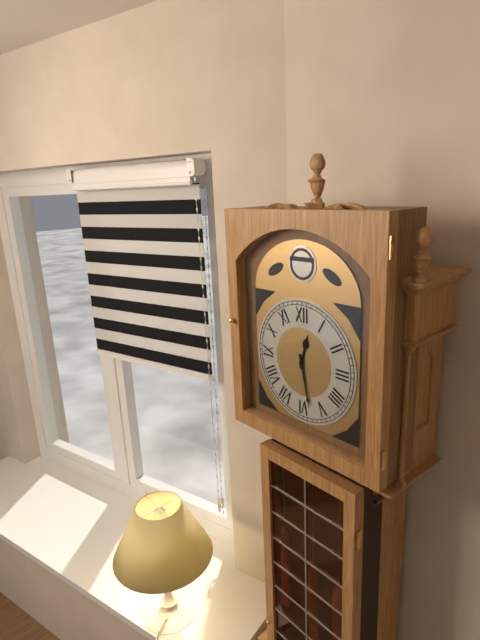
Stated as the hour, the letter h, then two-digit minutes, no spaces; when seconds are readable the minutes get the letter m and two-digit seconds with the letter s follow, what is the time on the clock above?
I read 12h28
